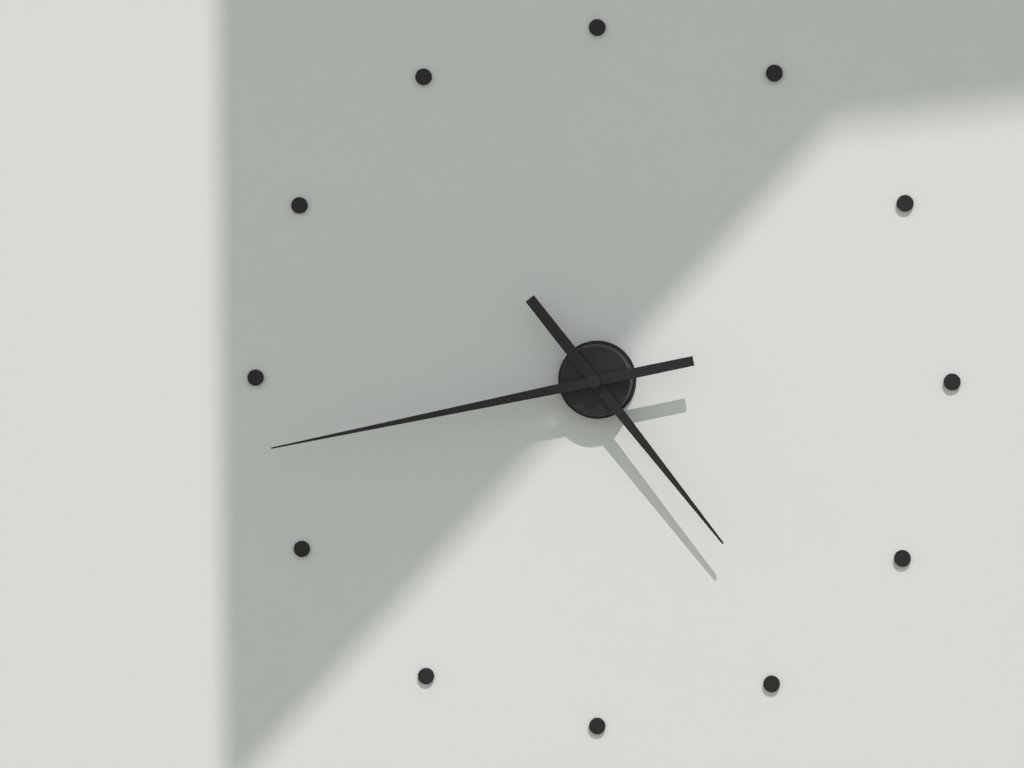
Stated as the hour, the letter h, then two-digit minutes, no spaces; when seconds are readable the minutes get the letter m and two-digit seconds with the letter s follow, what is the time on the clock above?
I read 4h43
